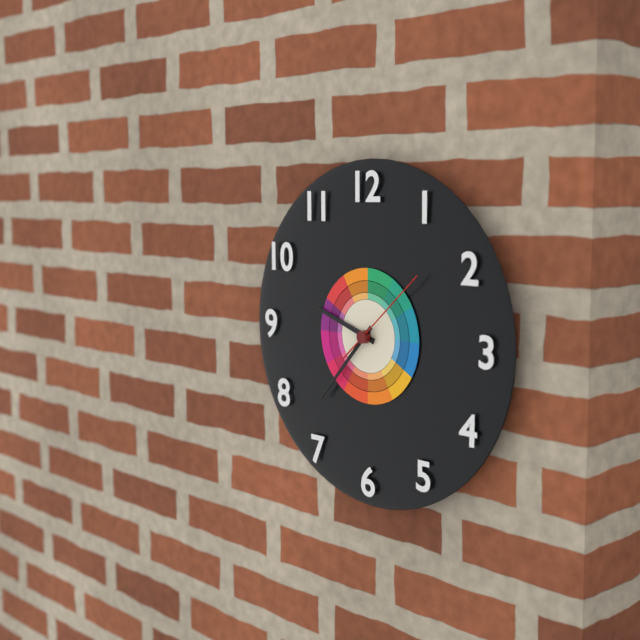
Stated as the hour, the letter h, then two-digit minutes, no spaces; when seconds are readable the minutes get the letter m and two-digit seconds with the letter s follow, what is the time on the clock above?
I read 9h37m08s
